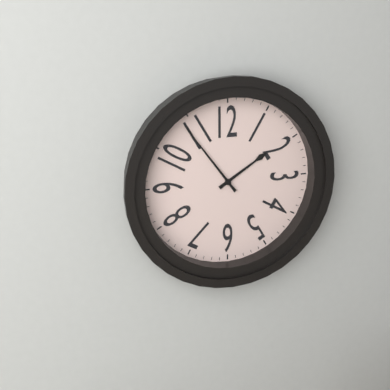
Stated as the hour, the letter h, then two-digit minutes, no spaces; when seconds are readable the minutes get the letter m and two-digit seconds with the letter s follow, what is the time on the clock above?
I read 1h54
